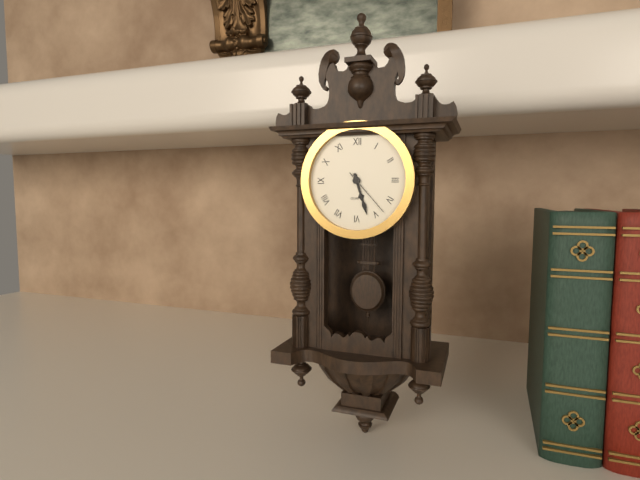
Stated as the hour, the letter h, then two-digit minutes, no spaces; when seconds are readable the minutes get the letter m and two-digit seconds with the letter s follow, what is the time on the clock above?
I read 5h27m23s
